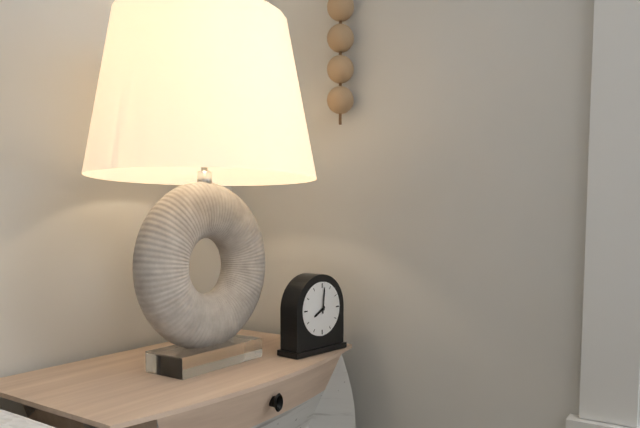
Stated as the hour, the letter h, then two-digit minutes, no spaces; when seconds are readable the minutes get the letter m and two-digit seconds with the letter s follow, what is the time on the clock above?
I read 8h01
